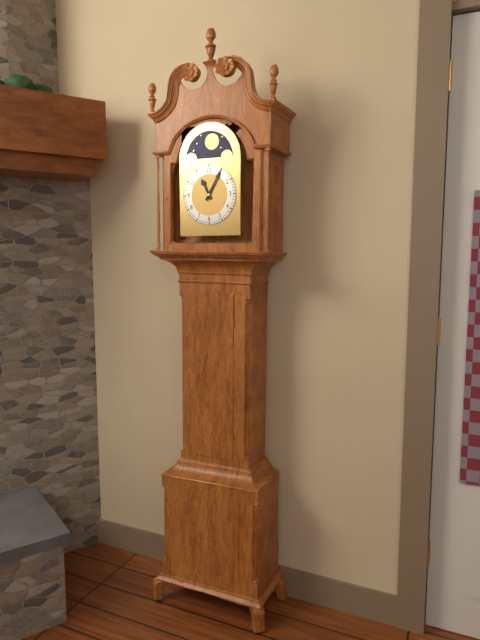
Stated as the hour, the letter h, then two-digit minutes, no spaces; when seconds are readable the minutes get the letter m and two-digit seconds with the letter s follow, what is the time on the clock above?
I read 11h05
